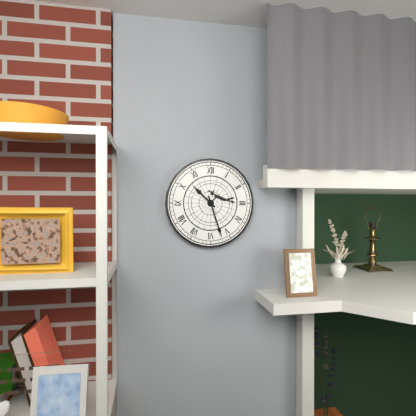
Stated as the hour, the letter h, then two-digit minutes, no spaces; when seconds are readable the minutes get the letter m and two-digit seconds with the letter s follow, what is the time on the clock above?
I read 10h27
